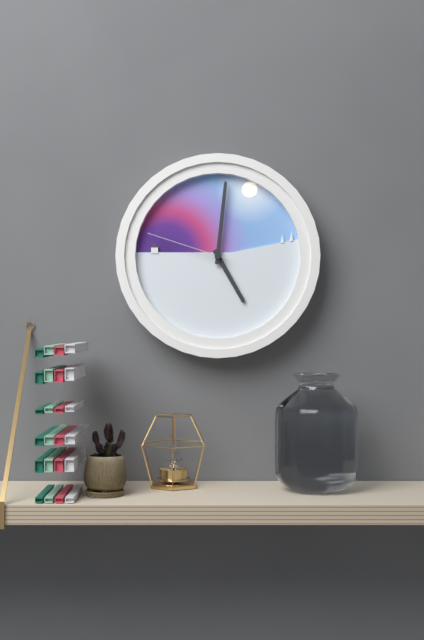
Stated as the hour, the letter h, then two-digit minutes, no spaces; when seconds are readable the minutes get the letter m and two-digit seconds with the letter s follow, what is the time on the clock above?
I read 5h01m48s
